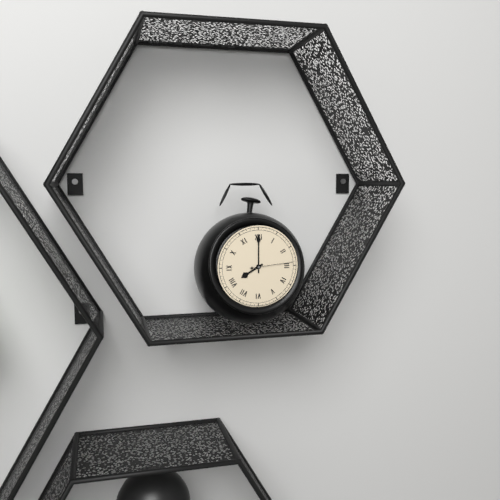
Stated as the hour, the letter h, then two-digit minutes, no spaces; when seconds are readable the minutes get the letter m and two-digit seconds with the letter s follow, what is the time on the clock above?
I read 8h00
